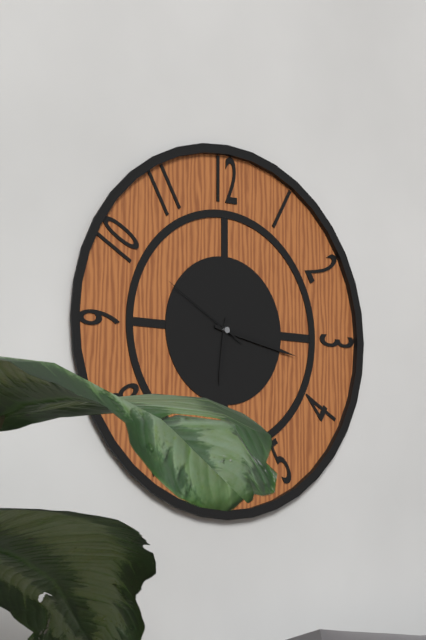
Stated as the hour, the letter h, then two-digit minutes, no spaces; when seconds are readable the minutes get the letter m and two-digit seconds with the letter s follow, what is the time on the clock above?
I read 6h17m50s
